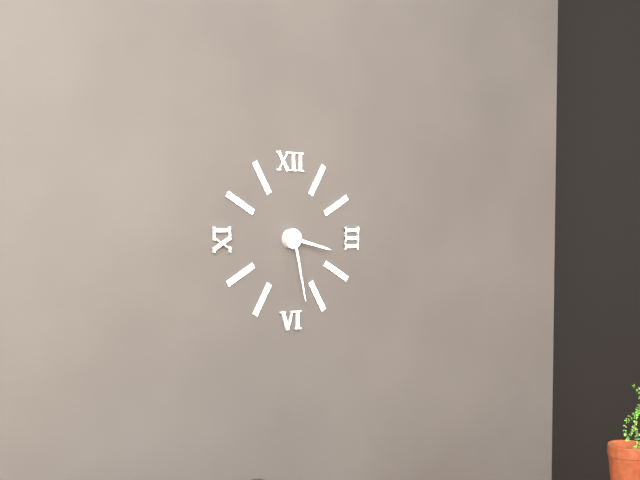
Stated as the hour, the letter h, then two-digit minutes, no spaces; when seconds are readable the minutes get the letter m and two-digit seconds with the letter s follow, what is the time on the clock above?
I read 3h28
